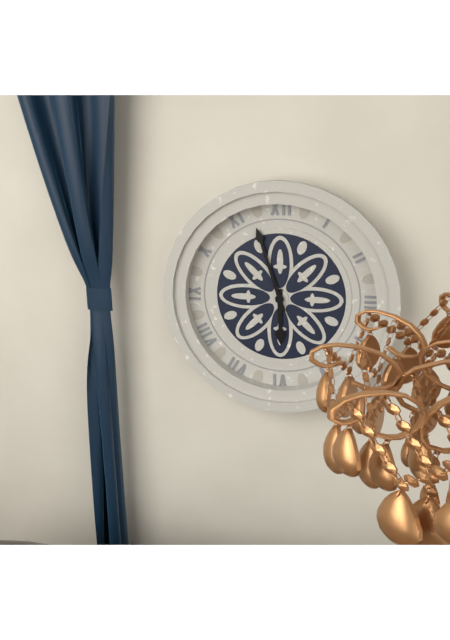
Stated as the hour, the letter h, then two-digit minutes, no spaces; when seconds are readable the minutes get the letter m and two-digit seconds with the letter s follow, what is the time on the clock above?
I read 5h57
